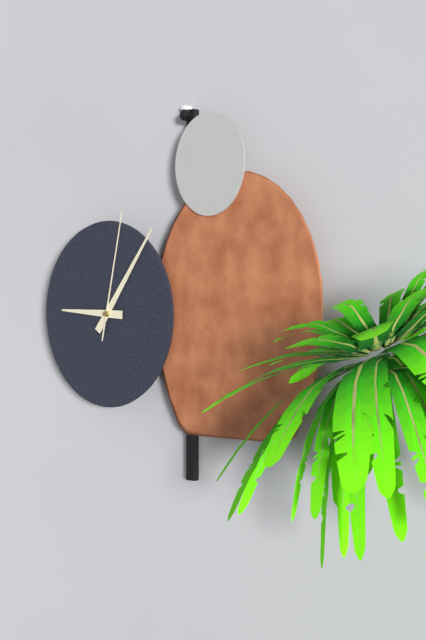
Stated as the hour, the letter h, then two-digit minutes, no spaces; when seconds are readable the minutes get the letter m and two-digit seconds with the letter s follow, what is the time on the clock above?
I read 9h06m02s
